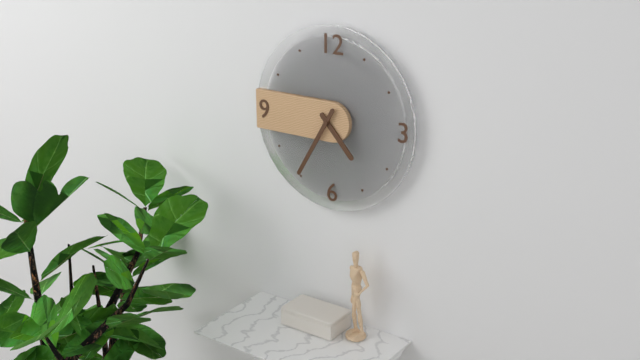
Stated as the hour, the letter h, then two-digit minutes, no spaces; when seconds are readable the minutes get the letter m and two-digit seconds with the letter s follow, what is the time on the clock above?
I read 4h35
